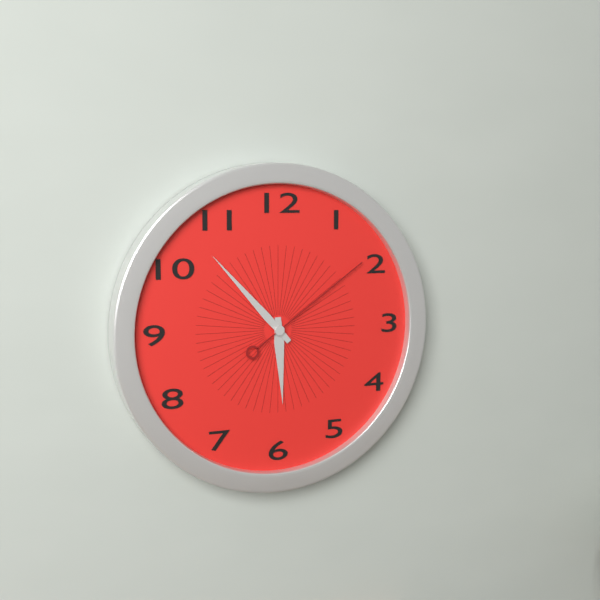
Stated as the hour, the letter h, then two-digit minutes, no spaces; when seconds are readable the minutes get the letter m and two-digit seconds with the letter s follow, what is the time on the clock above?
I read 5h53m09s
